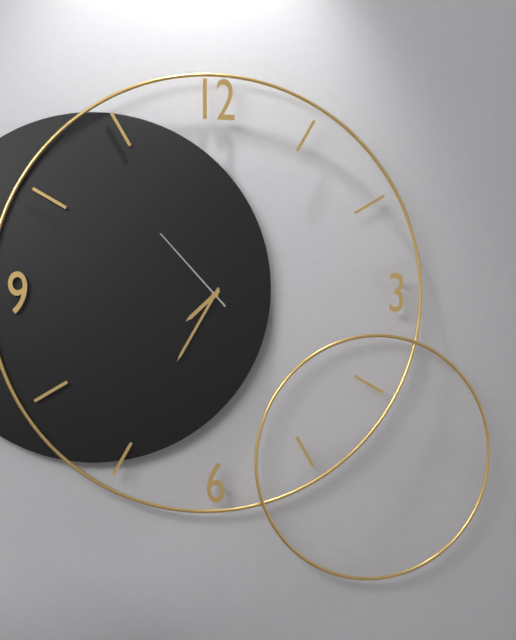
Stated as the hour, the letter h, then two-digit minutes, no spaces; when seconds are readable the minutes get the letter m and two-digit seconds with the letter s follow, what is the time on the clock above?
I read 7h35m53s
